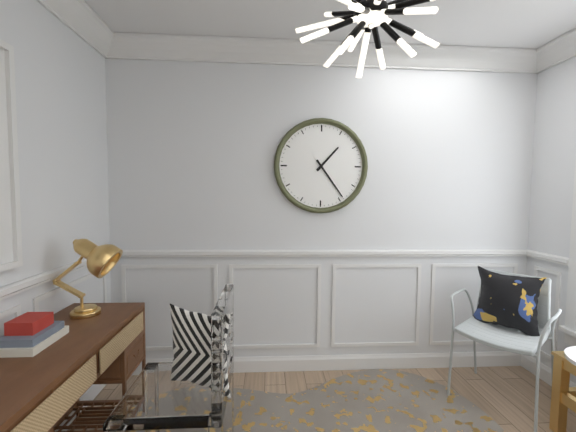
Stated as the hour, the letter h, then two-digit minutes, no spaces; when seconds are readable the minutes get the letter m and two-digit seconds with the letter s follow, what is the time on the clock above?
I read 1h24
